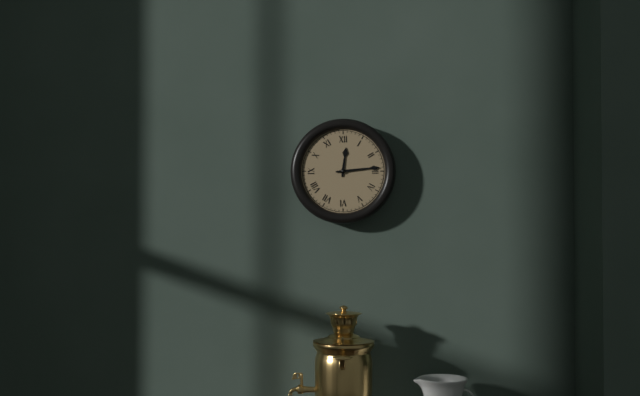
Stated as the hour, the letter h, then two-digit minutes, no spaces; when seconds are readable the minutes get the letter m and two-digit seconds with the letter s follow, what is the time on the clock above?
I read 12h14
